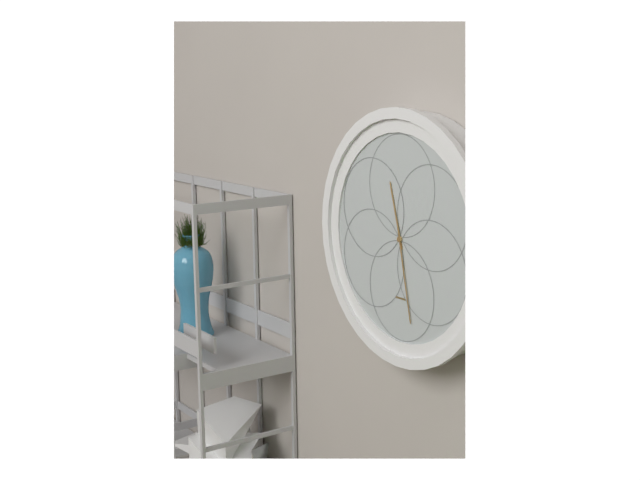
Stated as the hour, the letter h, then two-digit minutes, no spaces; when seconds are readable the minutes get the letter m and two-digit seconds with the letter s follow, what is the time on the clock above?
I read 11h28
